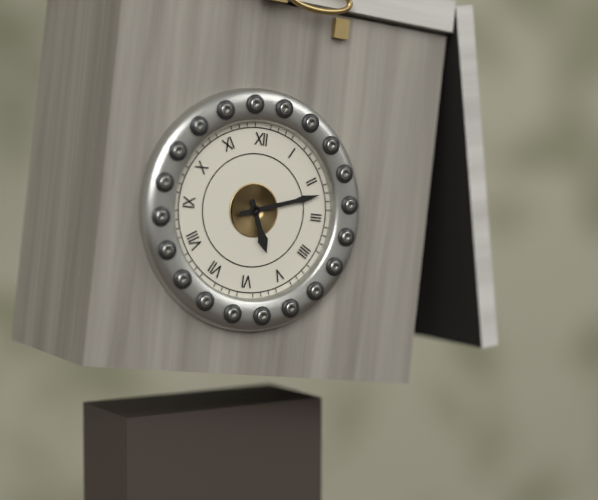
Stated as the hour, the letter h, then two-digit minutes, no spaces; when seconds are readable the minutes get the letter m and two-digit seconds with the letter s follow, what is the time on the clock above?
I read 5h12
